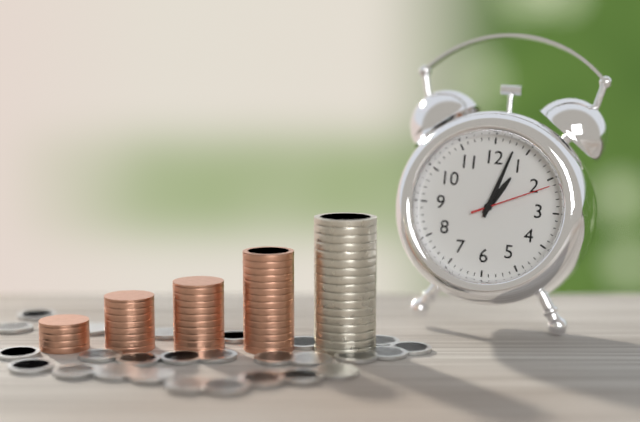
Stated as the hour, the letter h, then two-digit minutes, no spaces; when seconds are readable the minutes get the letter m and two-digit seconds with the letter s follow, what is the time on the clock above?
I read 1h03m11s
